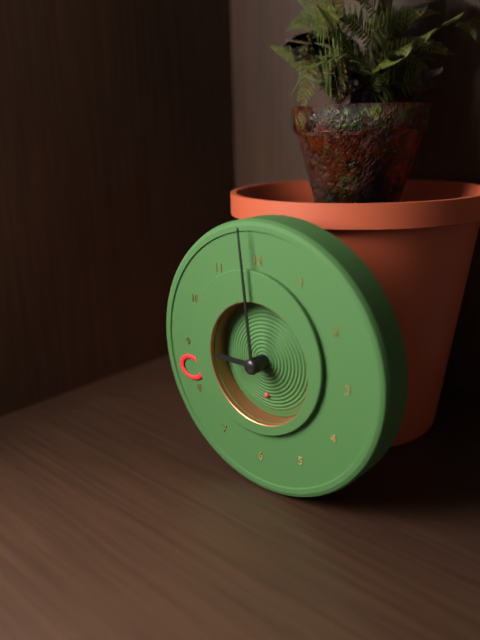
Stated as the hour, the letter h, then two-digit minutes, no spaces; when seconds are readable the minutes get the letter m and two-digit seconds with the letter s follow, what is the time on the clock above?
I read 8h59m30s
